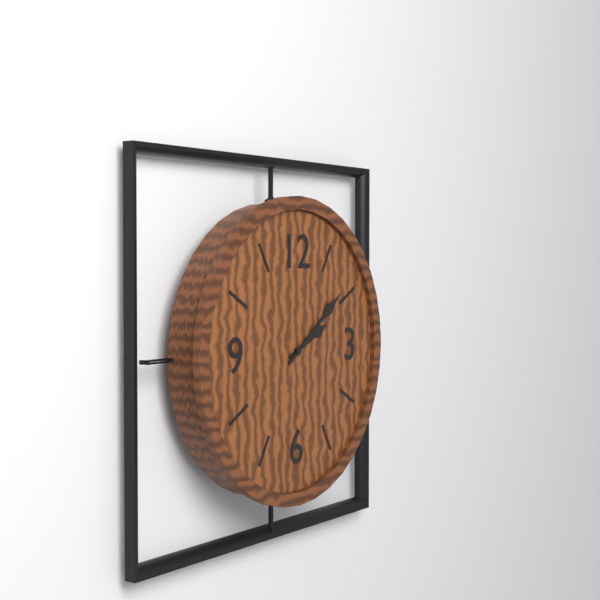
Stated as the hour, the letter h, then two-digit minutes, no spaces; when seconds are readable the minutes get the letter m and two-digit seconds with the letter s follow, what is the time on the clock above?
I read 2h09
